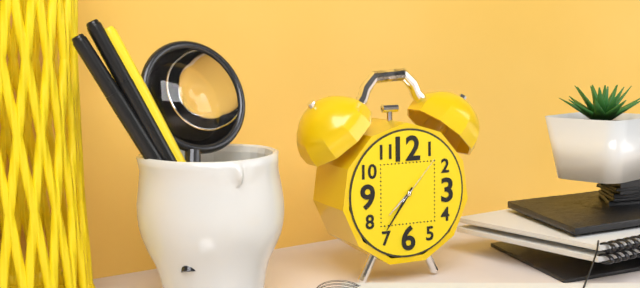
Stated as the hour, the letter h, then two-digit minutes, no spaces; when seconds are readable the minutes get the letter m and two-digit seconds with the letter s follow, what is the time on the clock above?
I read 7h36m07s
